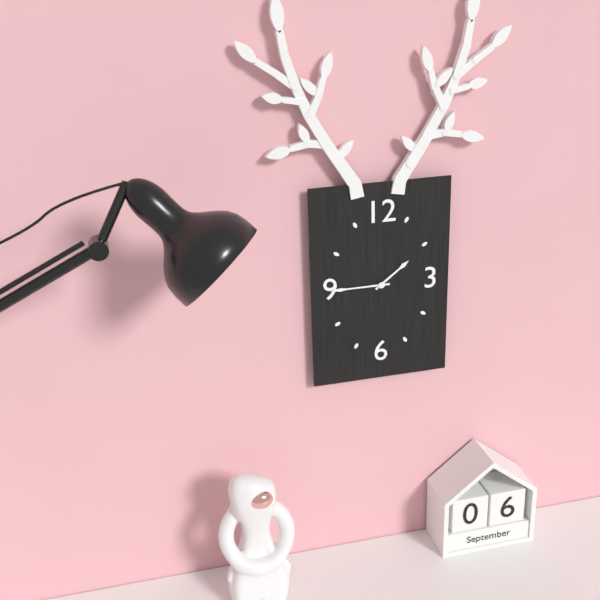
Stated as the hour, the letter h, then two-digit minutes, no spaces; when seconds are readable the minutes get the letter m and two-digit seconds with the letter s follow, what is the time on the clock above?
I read 1h45
